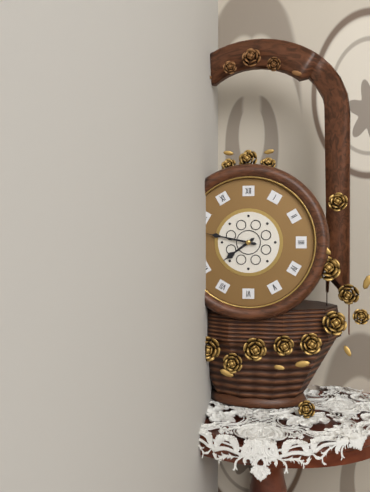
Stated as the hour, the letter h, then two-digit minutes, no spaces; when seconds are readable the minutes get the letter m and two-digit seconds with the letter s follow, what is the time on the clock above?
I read 7h47
